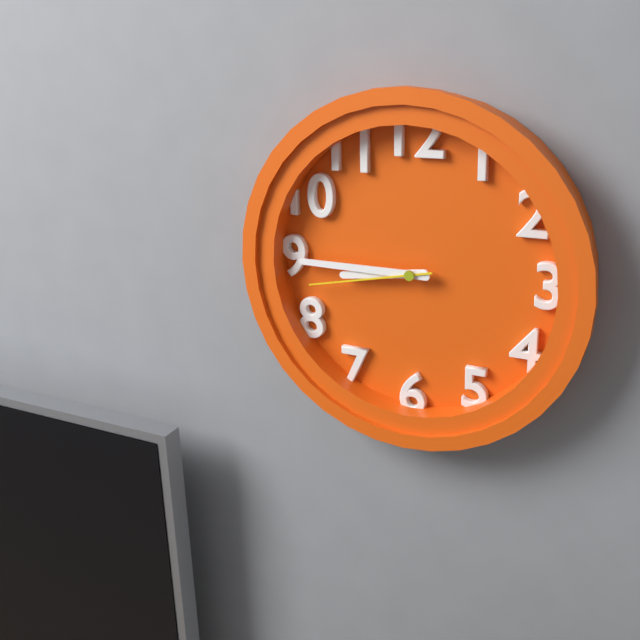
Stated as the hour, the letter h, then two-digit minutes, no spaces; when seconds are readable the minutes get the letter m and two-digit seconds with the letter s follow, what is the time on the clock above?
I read 8h45m43s
